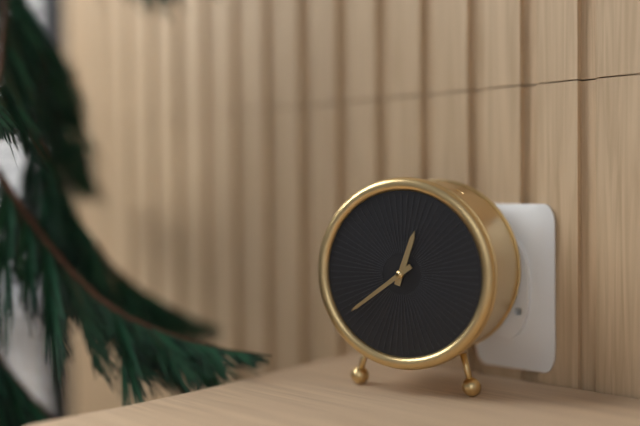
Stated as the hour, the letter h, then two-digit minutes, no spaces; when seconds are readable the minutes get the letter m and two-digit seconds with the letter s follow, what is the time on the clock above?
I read 12h39
